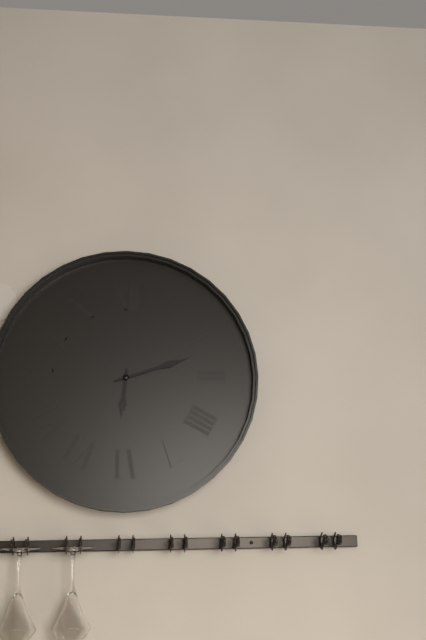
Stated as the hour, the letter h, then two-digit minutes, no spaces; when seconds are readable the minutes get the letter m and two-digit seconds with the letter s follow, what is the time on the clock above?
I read 6h12
